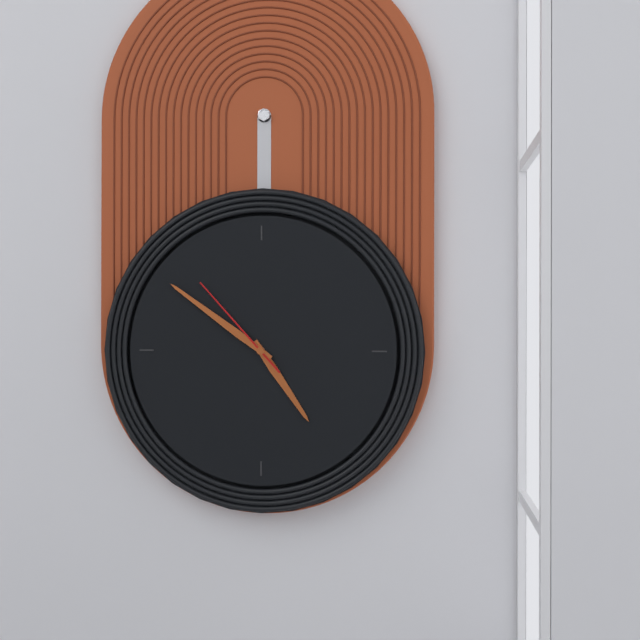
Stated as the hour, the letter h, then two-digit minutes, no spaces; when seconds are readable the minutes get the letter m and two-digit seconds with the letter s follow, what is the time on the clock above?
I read 4h51m53s
